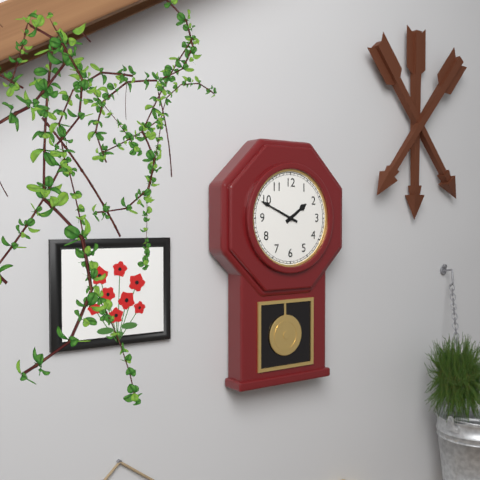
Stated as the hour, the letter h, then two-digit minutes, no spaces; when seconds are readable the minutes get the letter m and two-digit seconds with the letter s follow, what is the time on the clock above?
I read 1h49
